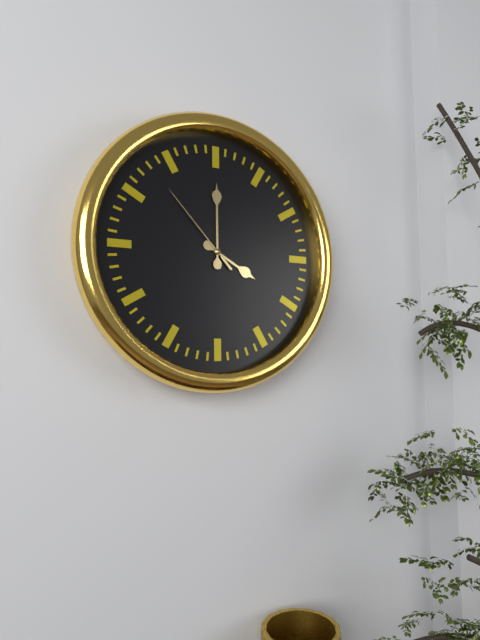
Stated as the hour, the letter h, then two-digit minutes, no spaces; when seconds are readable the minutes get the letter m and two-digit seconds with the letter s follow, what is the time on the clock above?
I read 4h00m53s
